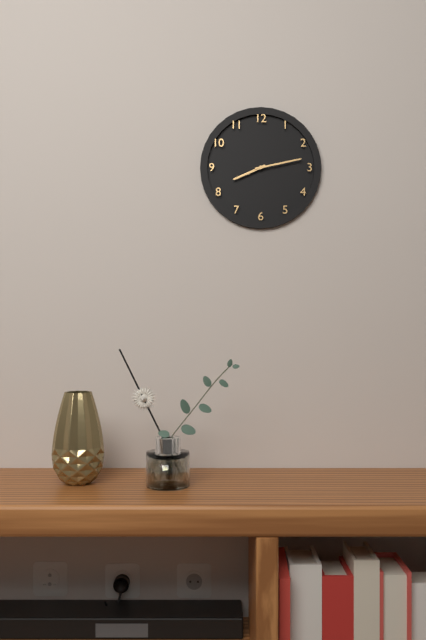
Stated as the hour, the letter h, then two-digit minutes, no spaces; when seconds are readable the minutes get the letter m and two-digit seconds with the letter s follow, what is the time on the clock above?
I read 8h13
